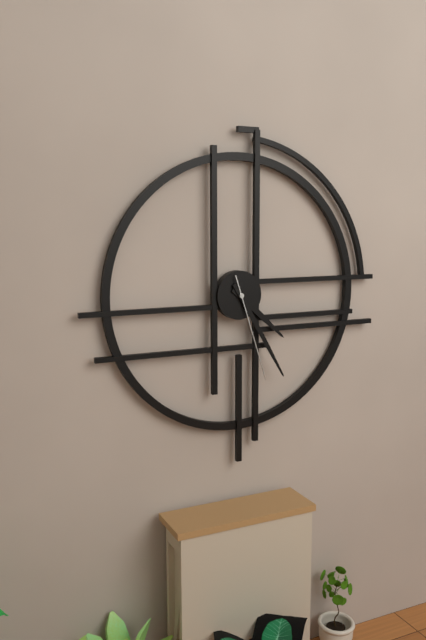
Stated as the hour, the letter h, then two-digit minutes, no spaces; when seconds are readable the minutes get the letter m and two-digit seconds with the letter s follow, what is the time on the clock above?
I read 4h25m27s
